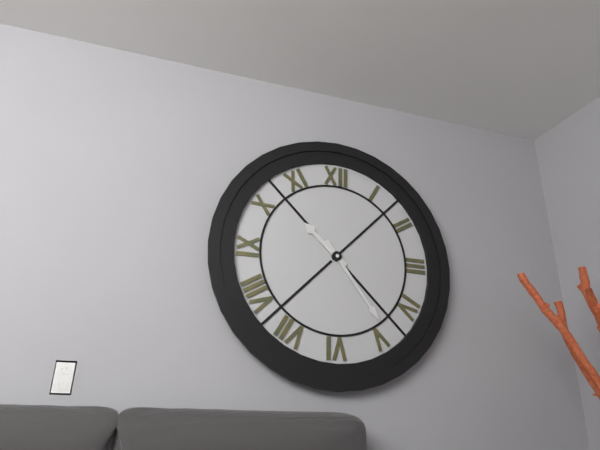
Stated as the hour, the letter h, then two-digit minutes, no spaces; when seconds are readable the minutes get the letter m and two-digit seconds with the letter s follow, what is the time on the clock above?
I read 10h24
